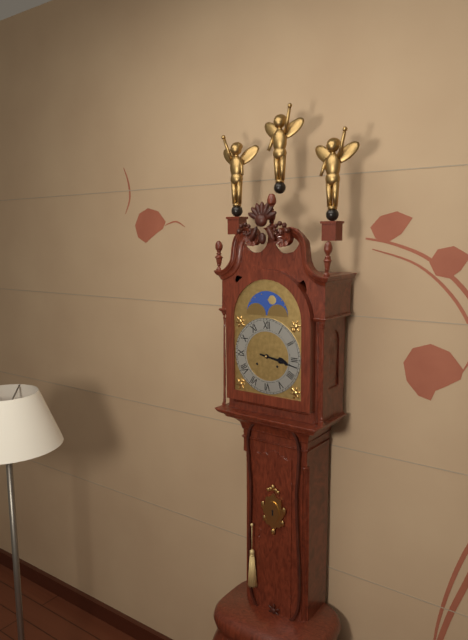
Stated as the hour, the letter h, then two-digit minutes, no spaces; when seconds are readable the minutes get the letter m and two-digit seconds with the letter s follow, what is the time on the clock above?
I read 3h17
